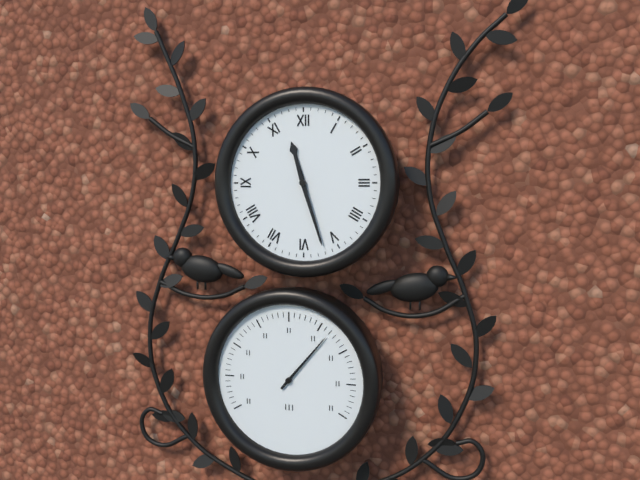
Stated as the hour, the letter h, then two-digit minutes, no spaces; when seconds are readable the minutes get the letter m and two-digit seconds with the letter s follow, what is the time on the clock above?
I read 11h27
